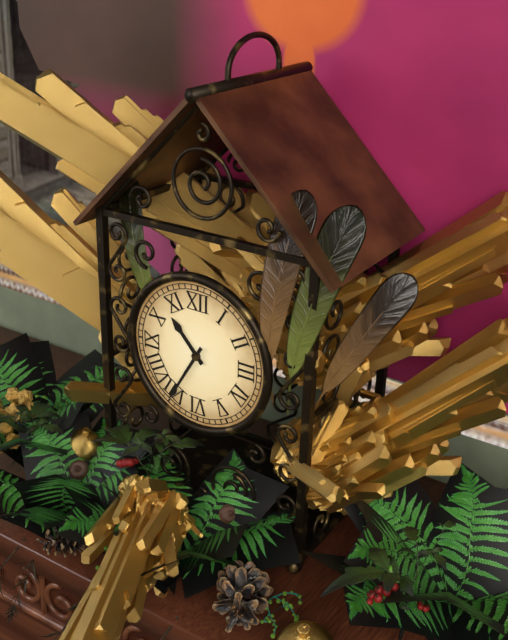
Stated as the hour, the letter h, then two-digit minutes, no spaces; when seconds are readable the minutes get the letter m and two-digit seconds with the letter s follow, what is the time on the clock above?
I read 10h35
